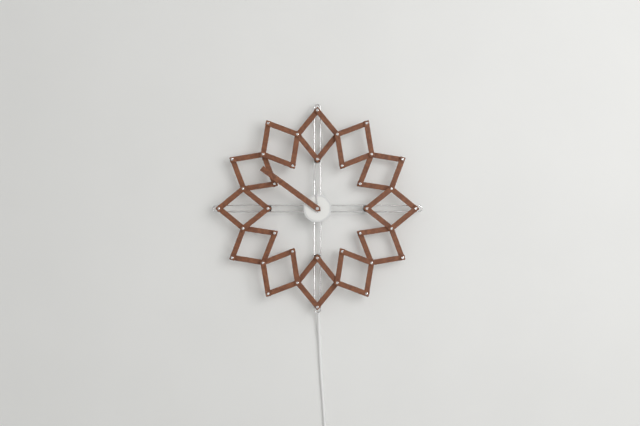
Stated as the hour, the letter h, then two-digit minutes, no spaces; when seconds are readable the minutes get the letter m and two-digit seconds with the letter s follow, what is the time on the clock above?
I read 11h51
